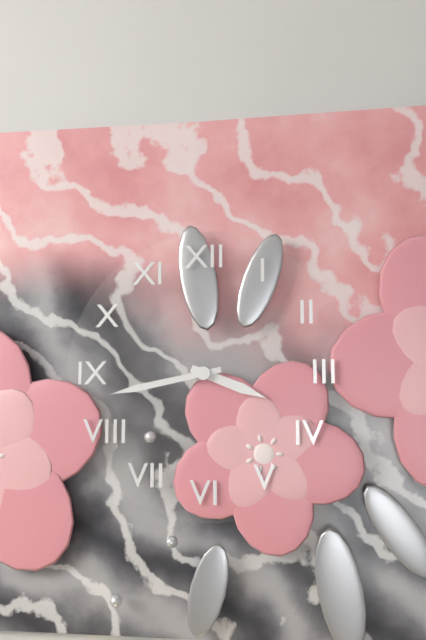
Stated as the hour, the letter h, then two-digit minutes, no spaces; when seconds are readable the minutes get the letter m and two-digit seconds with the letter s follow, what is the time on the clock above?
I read 3h43
